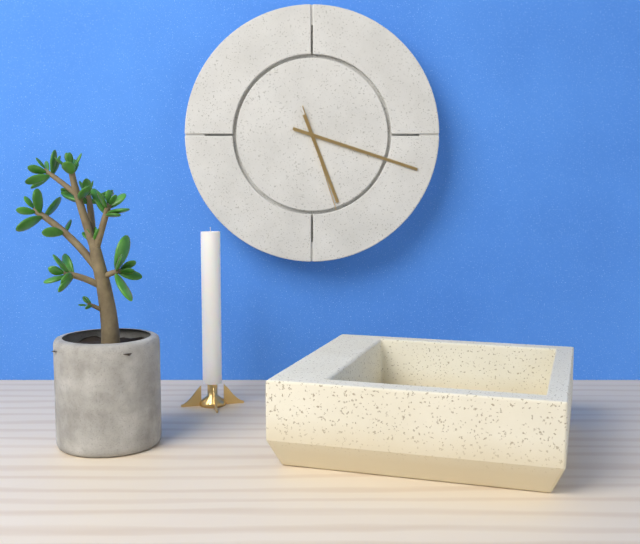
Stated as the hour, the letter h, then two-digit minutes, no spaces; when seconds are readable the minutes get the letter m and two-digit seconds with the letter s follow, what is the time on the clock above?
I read 5h18m27s
